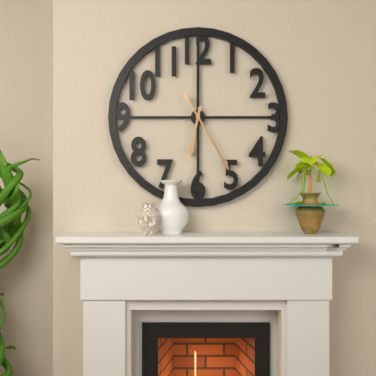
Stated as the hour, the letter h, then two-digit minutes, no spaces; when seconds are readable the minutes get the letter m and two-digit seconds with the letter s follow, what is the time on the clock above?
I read 6h25
